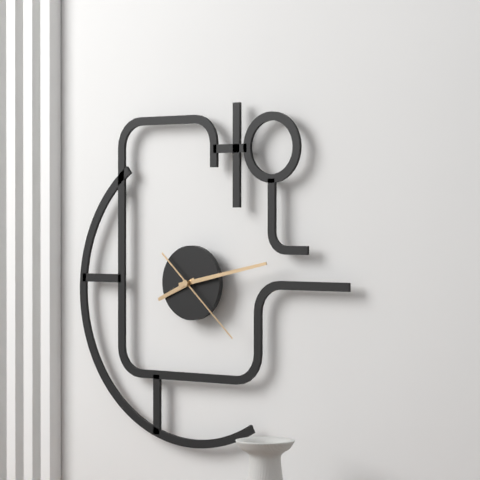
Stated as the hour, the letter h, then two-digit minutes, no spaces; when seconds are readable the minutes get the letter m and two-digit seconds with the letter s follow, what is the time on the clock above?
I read 8h13m22s
